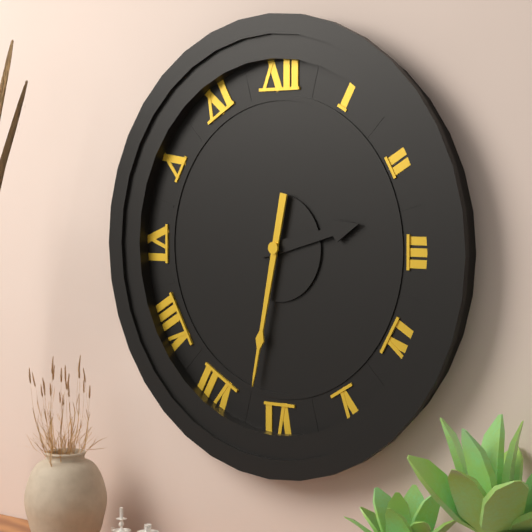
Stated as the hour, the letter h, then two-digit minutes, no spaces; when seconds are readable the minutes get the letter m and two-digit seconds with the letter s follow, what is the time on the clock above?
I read 2h32
